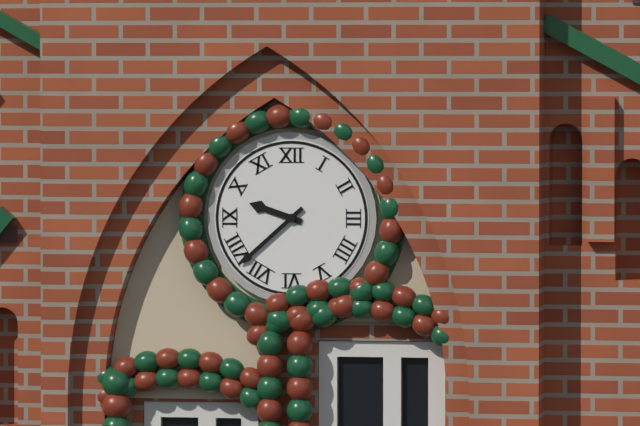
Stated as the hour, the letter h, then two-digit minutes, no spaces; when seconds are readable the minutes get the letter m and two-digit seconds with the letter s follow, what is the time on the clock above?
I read 9h38
